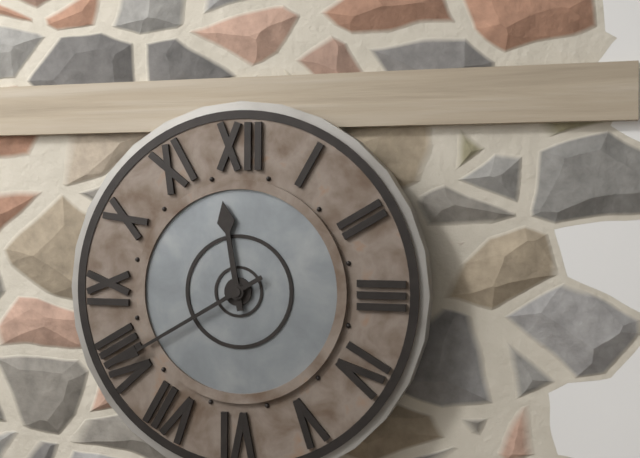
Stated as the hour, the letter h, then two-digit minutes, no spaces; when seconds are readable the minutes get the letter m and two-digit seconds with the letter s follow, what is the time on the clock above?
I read 11h40
